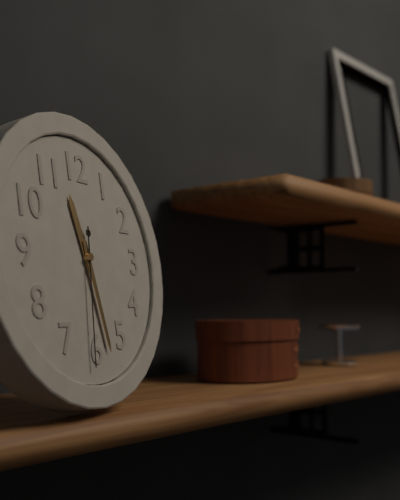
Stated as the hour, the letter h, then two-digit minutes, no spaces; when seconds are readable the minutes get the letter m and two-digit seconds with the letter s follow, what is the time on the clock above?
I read 11h28m31s
